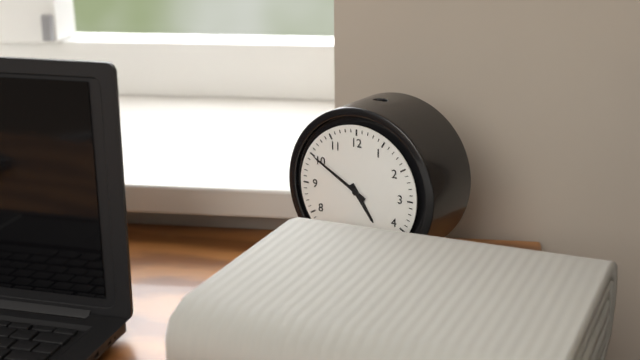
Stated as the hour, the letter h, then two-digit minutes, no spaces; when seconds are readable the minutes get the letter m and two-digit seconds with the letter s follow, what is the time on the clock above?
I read 4h50
